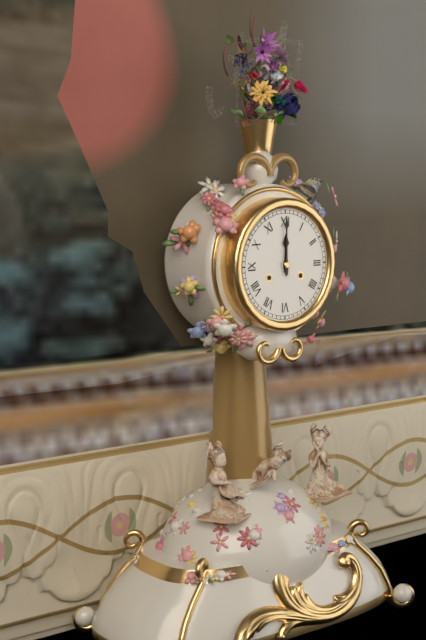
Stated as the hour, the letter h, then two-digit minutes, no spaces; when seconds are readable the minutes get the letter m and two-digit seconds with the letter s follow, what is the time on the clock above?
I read 12h00
